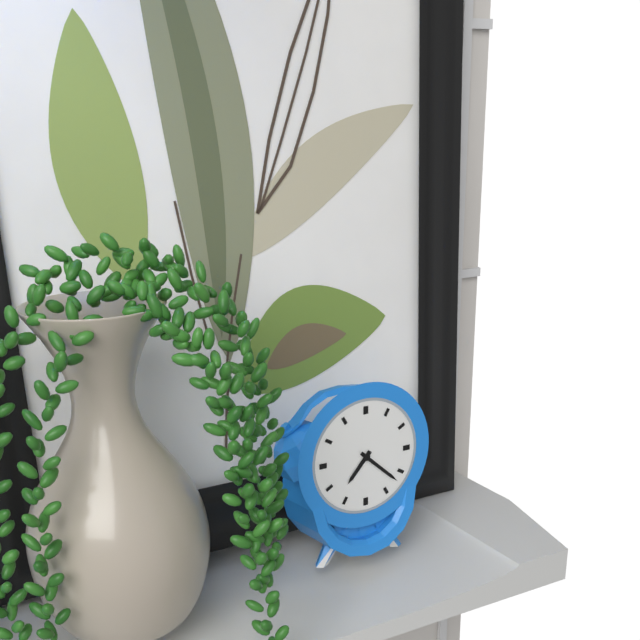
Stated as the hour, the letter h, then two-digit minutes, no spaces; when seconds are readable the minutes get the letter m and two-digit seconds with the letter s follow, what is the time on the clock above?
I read 7h22
